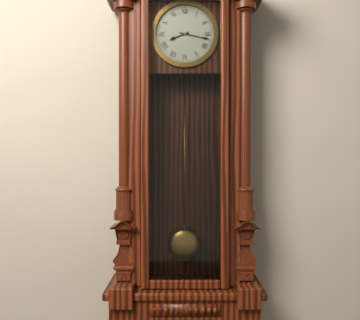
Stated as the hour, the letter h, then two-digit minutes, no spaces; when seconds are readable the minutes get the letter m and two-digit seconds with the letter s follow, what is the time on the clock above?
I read 8h17
